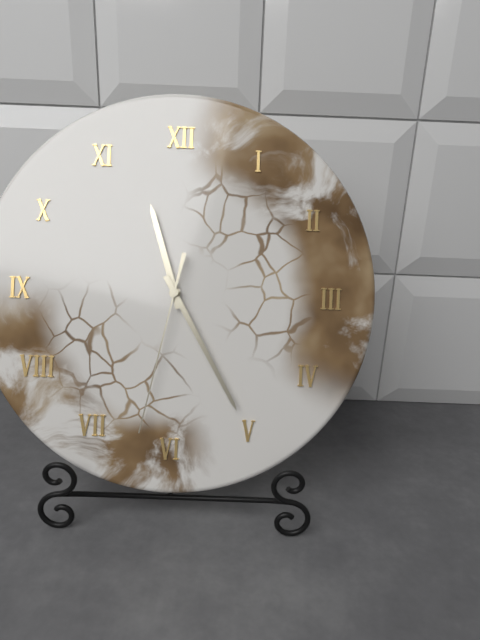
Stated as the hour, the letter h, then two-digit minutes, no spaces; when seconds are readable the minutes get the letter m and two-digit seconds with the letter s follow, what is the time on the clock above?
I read 11h25m32s
